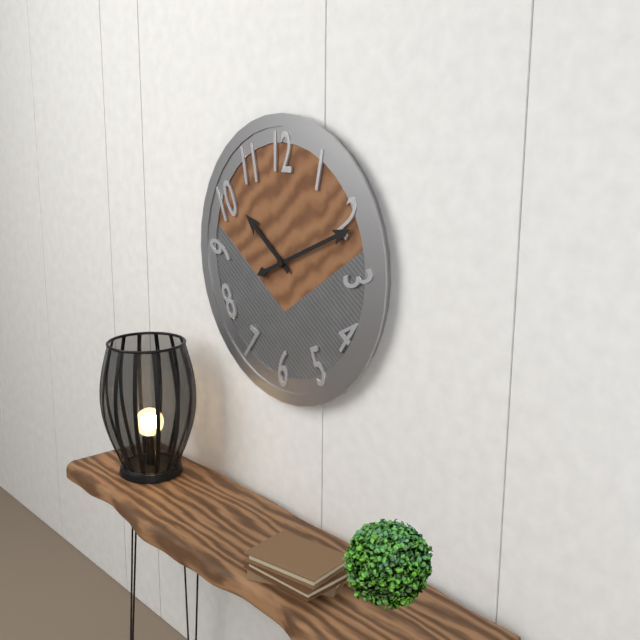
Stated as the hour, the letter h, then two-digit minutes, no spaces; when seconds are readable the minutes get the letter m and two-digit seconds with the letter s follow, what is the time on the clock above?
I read 10h11
